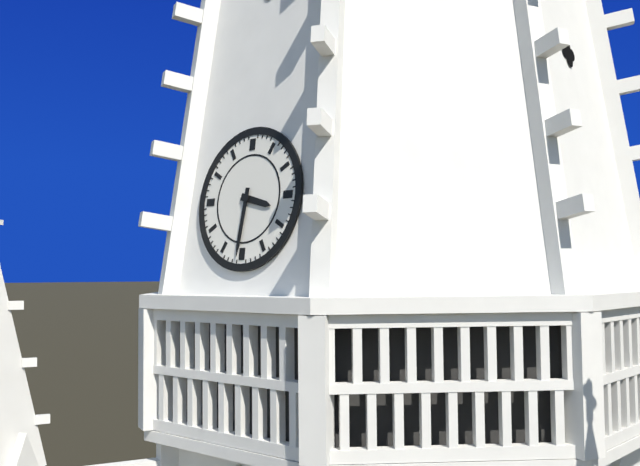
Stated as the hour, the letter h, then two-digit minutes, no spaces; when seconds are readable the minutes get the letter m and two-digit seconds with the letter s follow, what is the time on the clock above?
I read 3h31
